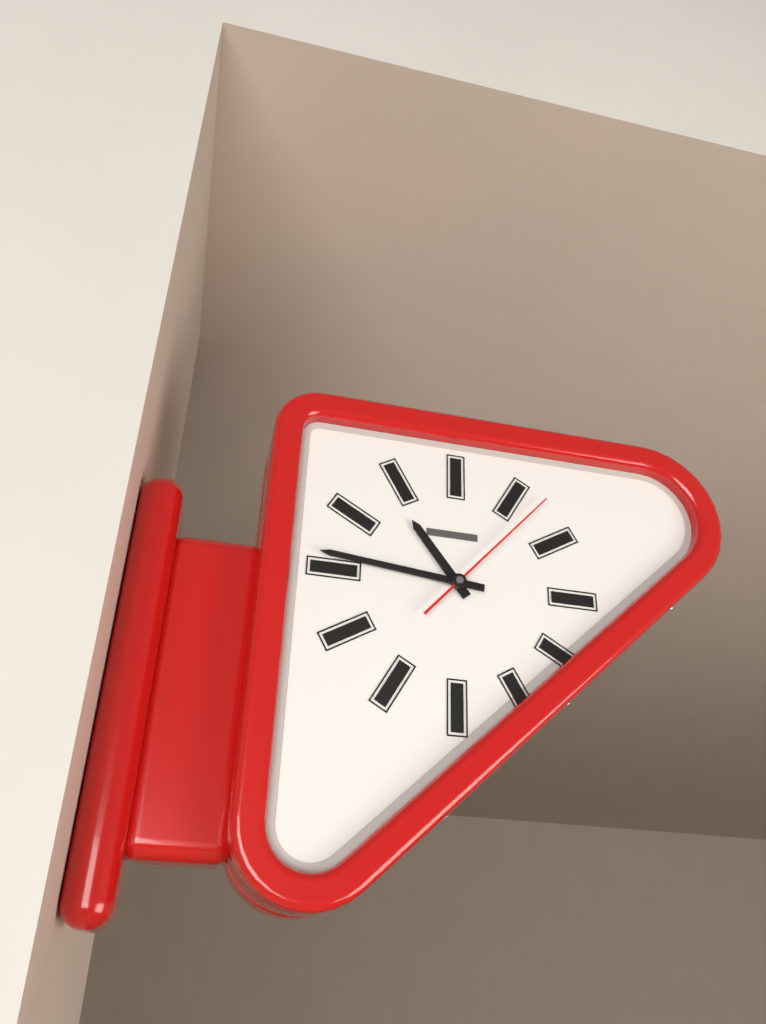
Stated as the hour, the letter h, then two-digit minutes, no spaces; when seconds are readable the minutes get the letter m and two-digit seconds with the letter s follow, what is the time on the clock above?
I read 10h46m07s
